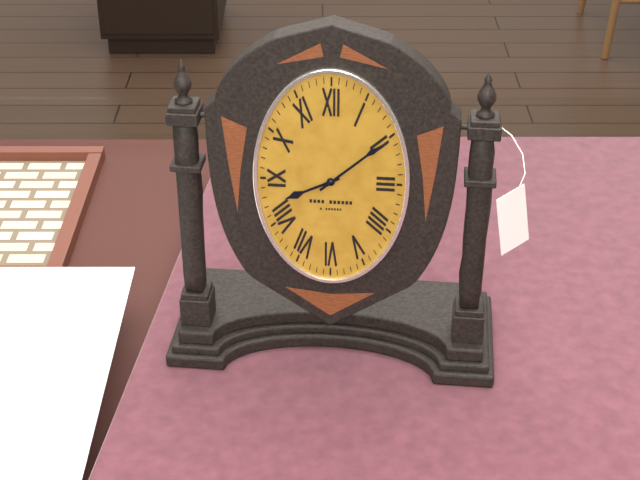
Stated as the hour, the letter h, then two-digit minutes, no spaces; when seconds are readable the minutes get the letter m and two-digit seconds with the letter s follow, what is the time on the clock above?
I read 8h08
